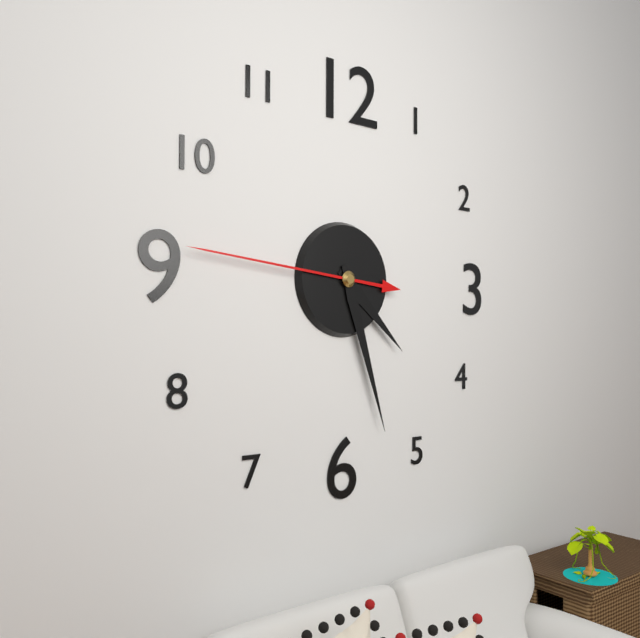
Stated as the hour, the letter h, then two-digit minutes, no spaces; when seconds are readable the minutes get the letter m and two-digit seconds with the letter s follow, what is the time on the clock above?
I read 4h27m46s
